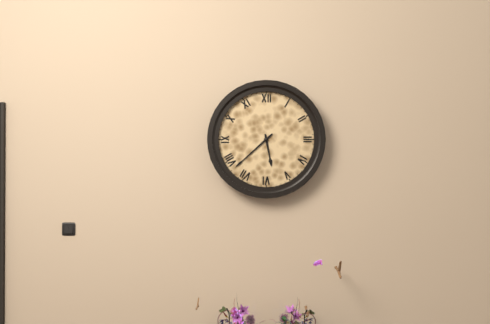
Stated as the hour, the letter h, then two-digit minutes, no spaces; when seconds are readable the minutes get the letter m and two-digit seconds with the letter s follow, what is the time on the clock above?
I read 5h38
